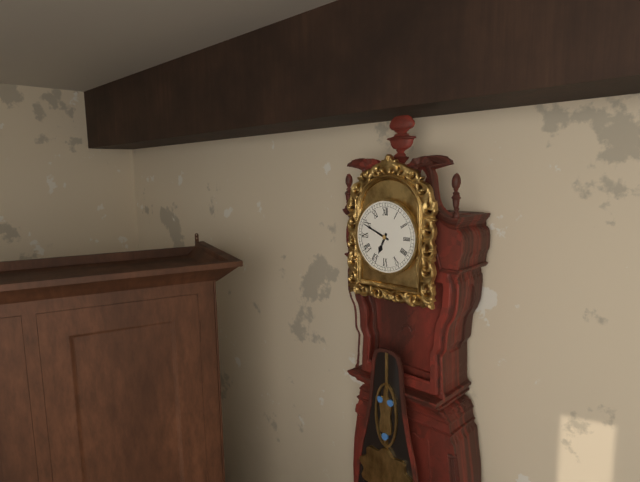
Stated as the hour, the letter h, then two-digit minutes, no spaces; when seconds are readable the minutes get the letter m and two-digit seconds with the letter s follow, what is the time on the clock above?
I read 6h49
